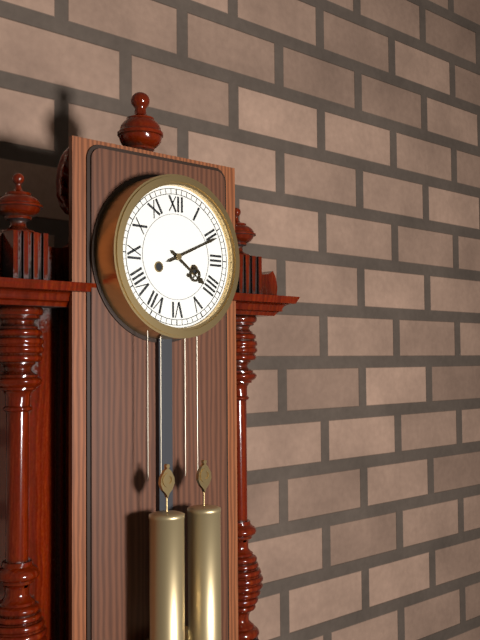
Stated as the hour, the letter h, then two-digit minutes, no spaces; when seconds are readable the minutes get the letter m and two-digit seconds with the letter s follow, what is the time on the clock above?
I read 4h11
